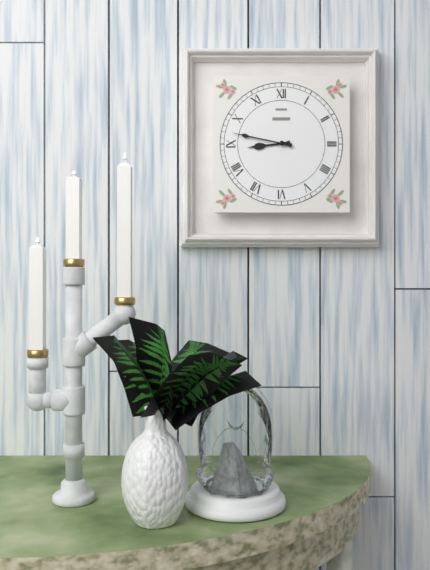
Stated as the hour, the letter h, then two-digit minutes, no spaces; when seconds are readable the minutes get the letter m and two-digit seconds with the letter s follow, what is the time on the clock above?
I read 8h47
